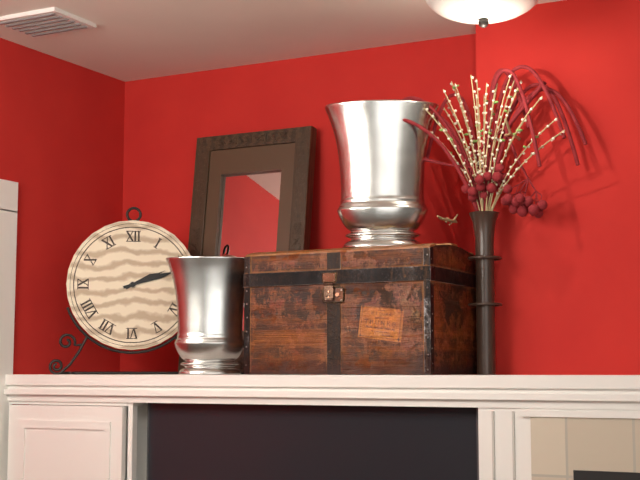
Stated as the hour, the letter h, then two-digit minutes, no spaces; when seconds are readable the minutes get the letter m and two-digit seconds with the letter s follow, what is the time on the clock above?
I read 2h12
